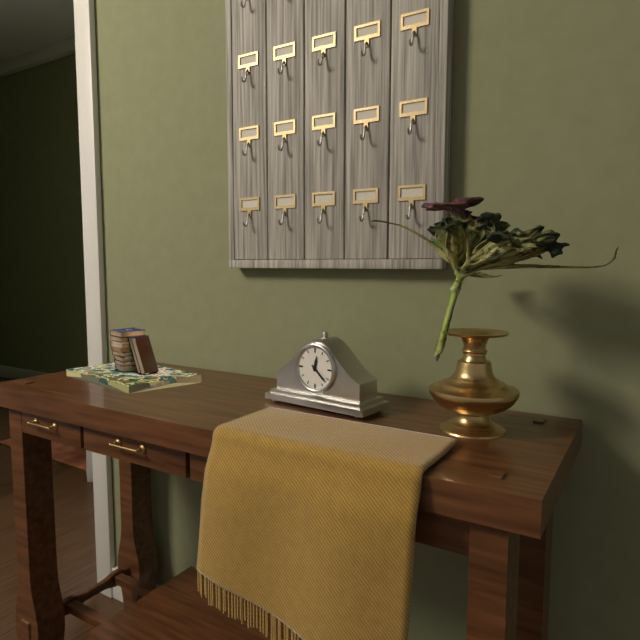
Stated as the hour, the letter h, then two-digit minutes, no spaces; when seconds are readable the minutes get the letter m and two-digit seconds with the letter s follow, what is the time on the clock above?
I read 12h22
